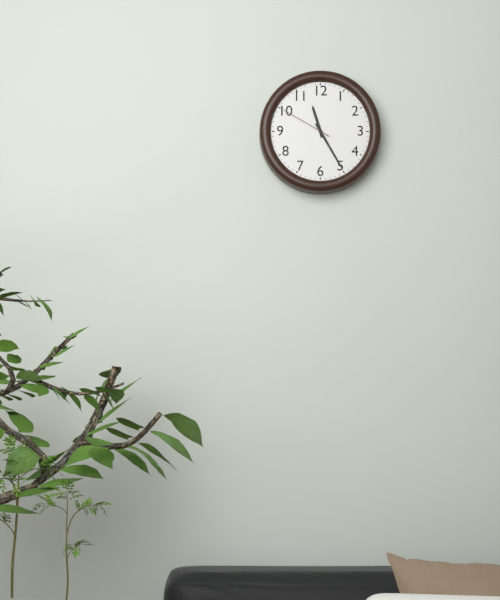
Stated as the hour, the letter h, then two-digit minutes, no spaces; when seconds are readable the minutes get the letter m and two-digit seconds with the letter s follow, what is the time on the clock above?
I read 11h25m50s
